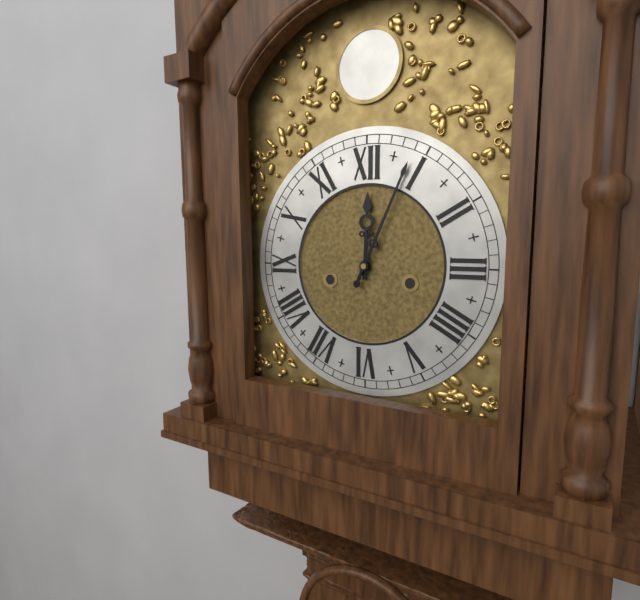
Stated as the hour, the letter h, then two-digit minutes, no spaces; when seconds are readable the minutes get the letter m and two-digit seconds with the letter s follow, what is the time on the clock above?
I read 12h04
